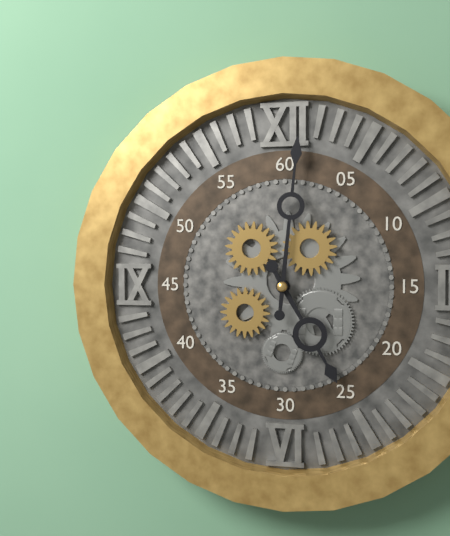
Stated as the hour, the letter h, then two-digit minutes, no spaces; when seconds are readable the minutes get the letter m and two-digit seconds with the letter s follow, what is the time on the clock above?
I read 5h01
